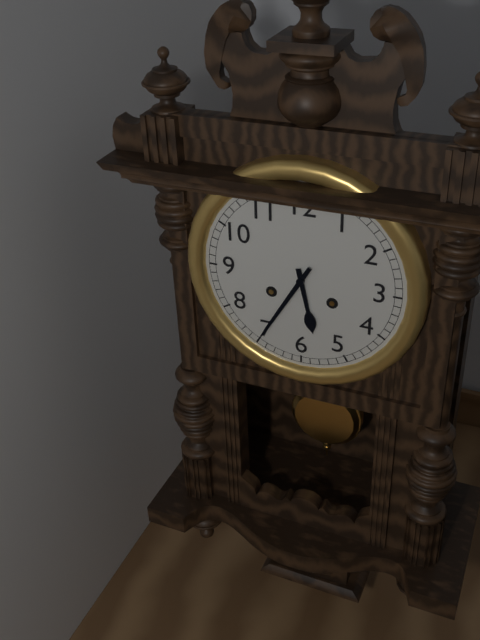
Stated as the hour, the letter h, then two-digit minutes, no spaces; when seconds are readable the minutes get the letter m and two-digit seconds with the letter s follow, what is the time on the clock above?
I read 5h35
